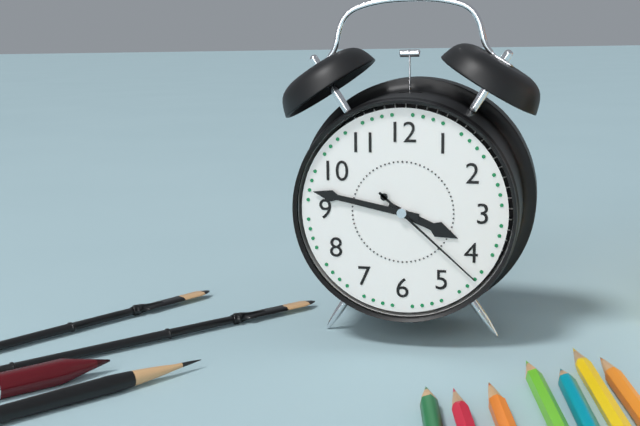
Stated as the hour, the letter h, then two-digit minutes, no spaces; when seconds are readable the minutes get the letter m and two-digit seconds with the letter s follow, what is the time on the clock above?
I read 3h47m22s
